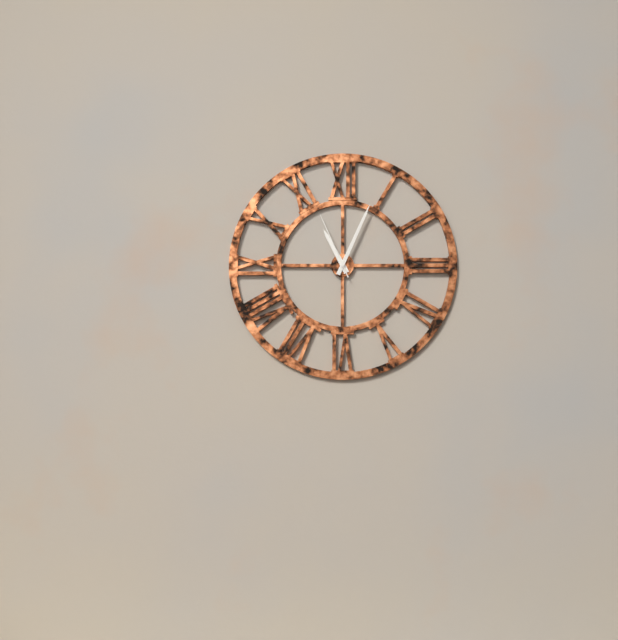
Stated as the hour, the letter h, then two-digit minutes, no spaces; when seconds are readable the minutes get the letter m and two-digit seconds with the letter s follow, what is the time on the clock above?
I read 11h04m56s
